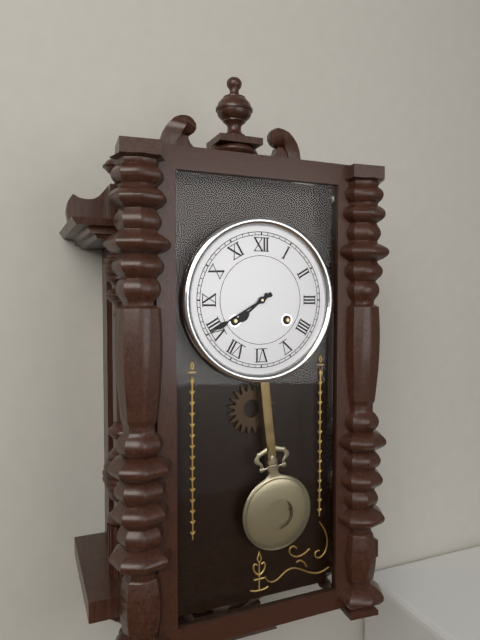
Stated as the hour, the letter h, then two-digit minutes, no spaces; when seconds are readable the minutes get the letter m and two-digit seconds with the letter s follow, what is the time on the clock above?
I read 7h40
